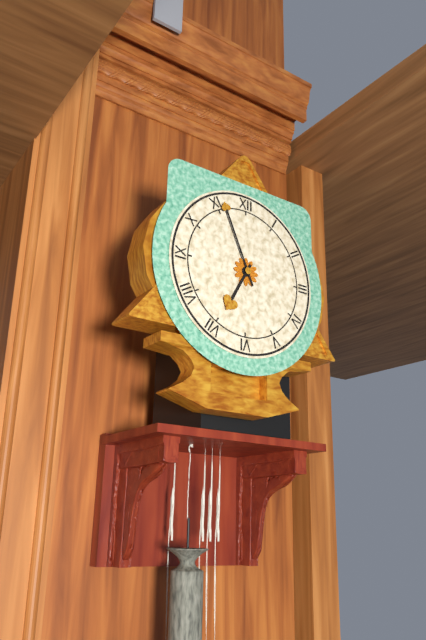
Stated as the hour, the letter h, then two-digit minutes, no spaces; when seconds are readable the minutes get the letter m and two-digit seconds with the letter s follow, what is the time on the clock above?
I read 6h56
